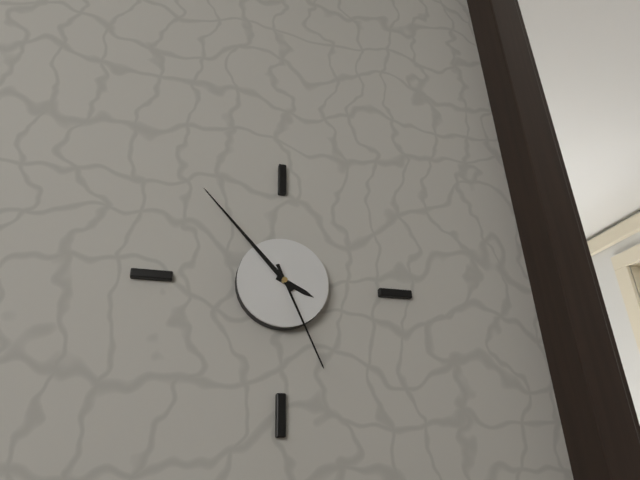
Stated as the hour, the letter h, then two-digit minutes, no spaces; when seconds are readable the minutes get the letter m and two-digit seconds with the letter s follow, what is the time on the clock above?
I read 3h53m26s
